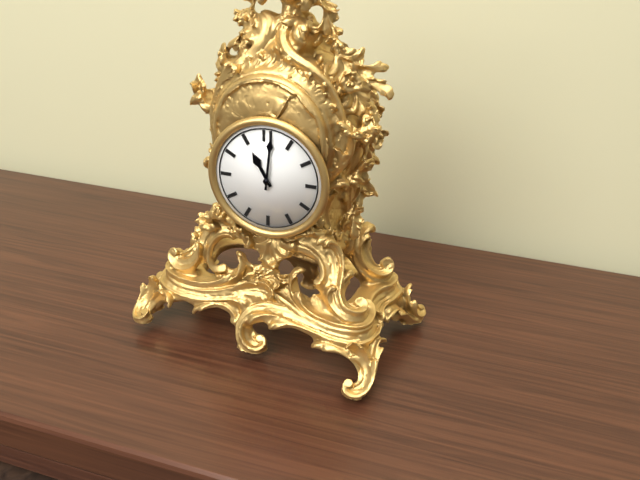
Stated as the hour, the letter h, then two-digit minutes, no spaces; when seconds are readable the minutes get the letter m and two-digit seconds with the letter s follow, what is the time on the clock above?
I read 11h01
